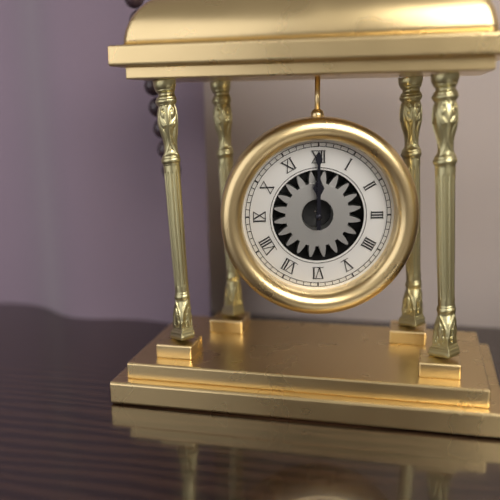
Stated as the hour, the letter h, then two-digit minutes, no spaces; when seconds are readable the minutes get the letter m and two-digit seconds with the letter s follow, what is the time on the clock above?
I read 12h00
